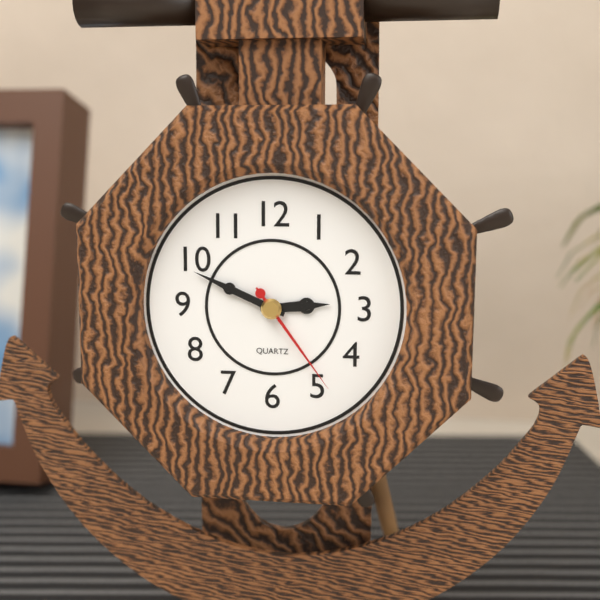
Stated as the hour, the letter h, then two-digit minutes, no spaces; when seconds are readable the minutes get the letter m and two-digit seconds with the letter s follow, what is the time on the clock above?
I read 2h49m24s
